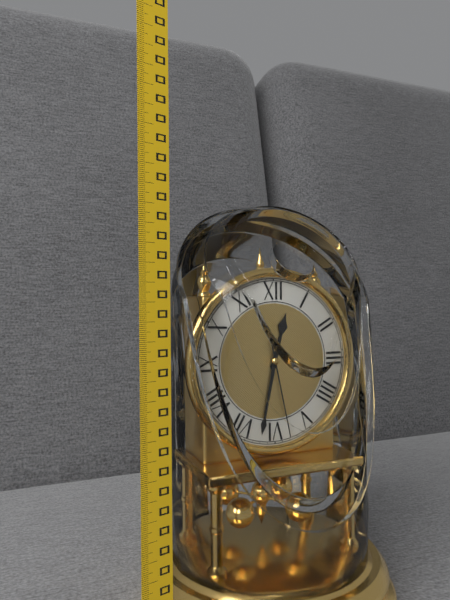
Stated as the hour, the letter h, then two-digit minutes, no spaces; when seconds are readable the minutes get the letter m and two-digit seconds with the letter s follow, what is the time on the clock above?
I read 12h32m28s
